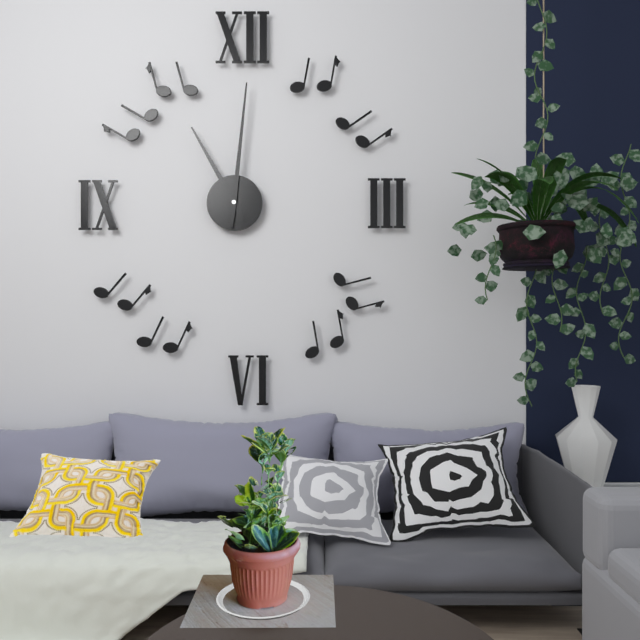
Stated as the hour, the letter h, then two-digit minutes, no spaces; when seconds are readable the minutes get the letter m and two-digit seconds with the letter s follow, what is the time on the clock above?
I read 11h01
